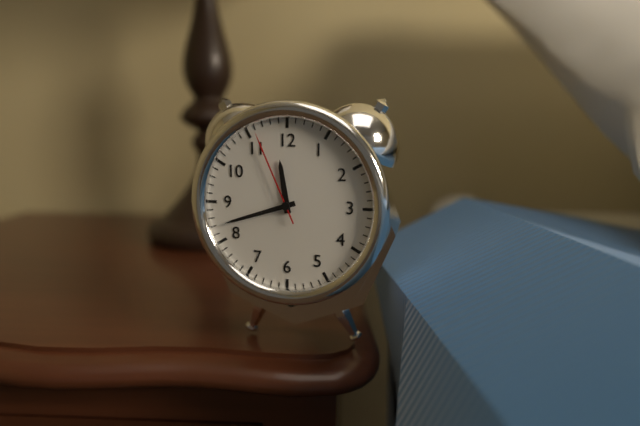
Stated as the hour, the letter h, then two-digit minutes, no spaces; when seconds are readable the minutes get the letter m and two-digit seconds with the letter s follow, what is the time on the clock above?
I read 11h42m56s
